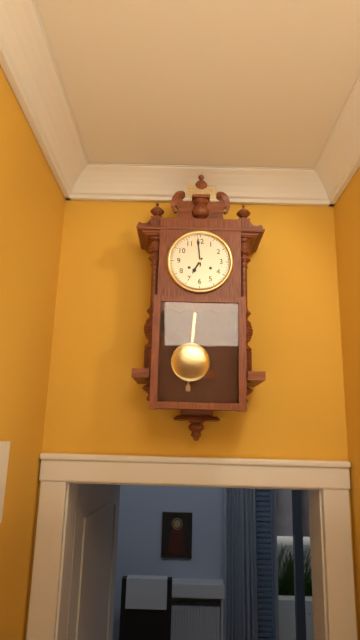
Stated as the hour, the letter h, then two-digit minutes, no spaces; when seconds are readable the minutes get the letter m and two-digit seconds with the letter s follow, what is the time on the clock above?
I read 6h59
